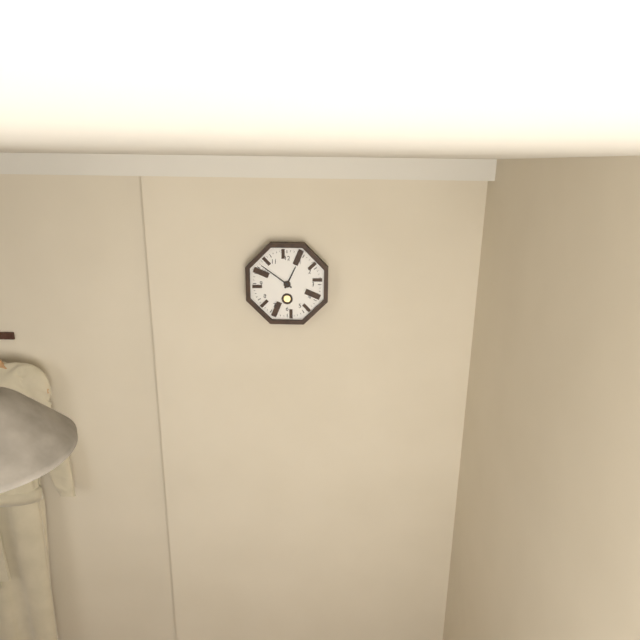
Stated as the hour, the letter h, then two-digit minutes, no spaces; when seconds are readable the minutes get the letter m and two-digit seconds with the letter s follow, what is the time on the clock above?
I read 12h51
